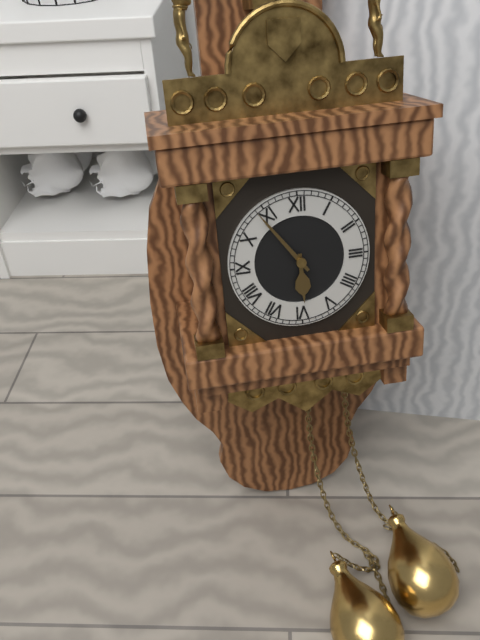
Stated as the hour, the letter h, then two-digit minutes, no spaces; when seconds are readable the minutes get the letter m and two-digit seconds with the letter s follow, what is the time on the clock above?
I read 5h54
